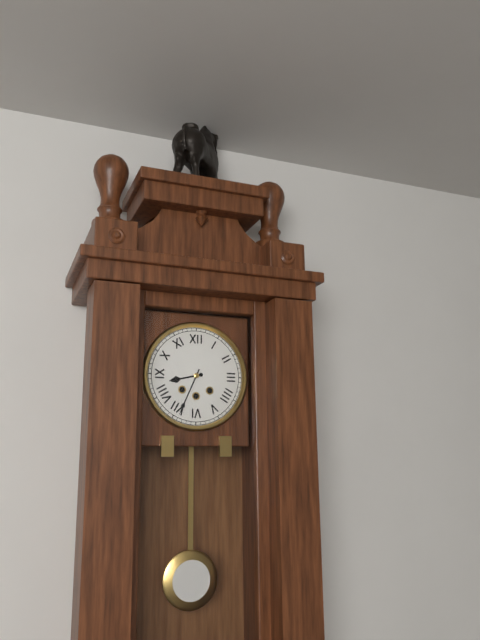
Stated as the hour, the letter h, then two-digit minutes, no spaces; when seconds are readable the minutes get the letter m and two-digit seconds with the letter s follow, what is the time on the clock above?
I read 8h34
